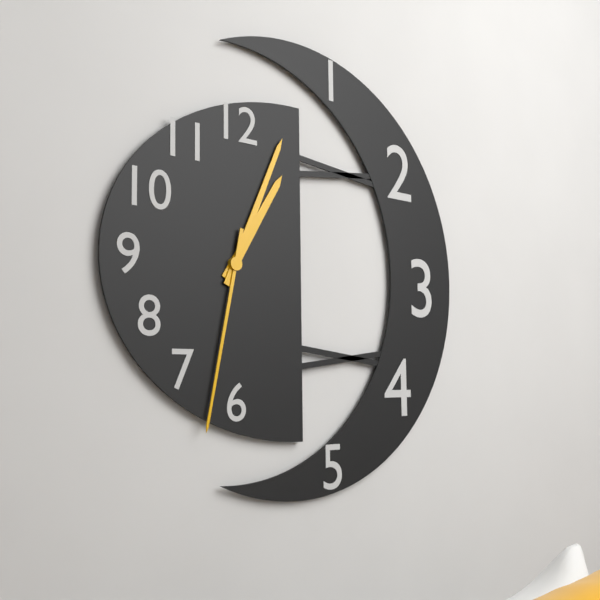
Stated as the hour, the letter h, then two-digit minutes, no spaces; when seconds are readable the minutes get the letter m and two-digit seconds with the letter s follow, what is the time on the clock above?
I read 1h04m32s
